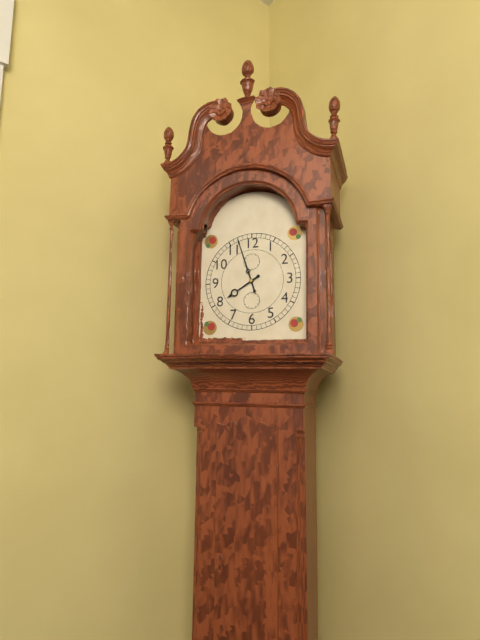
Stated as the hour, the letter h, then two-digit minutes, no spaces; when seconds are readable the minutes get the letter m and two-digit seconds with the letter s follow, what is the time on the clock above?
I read 7h57
